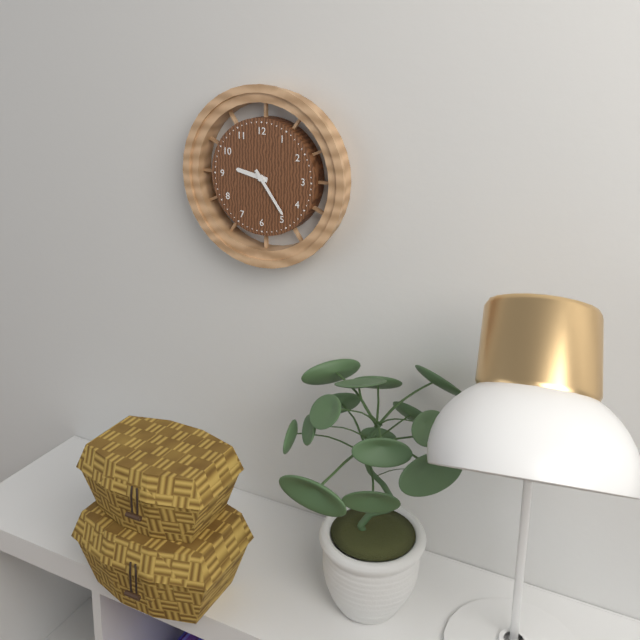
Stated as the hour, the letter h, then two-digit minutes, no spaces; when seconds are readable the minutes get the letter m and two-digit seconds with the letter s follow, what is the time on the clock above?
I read 9h24
